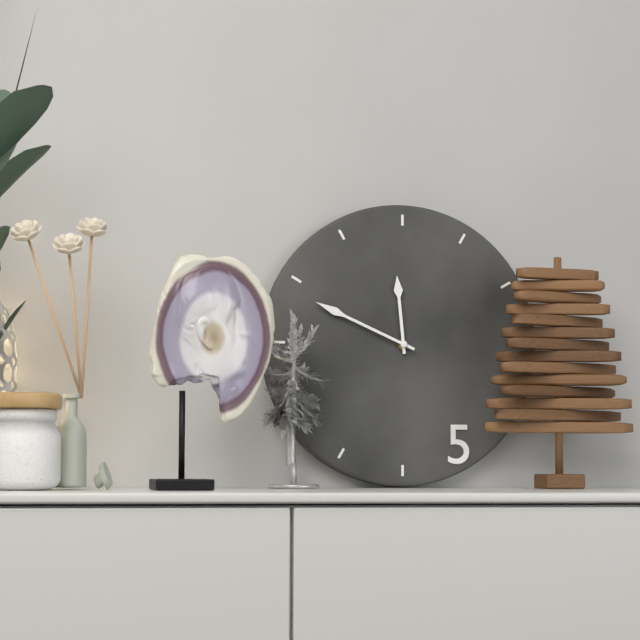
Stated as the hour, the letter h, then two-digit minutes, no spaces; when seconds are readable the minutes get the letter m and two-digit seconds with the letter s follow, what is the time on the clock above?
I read 11h49
